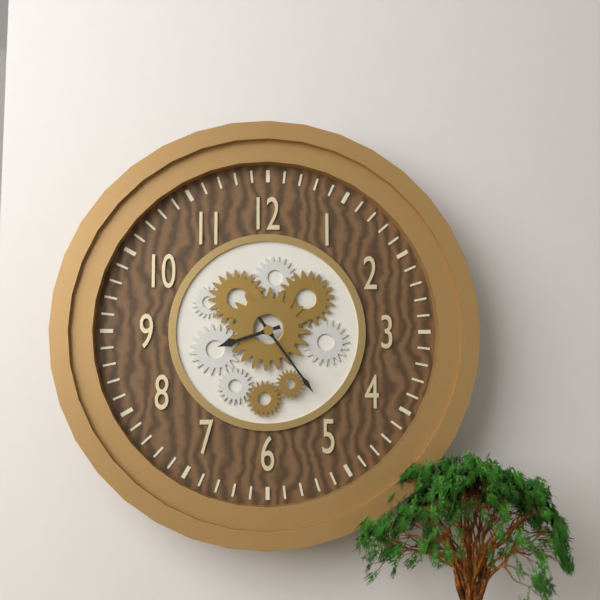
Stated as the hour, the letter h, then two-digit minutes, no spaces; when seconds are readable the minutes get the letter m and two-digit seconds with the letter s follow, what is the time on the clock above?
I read 8h24
